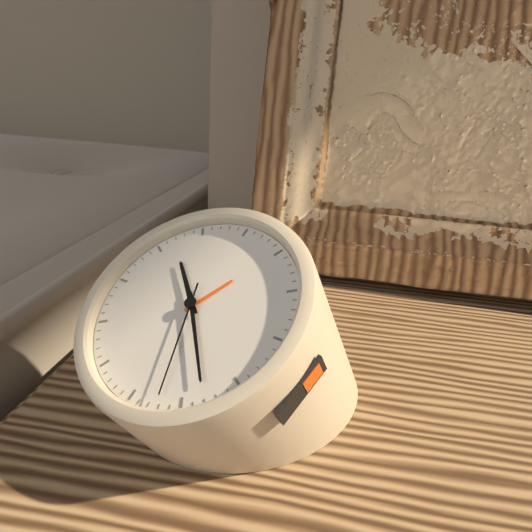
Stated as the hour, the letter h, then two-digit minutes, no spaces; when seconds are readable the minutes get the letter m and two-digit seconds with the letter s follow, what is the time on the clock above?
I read 10h23m27s
